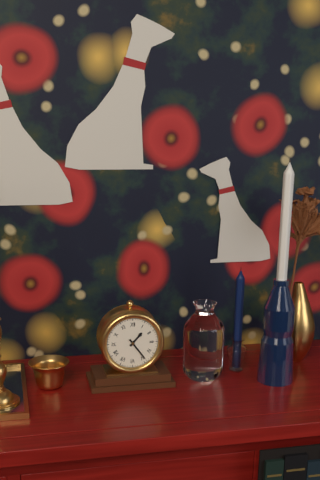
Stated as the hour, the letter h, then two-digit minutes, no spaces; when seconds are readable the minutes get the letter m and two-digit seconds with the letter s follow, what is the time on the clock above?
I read 1h24
